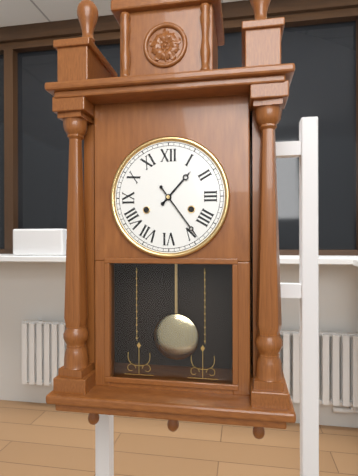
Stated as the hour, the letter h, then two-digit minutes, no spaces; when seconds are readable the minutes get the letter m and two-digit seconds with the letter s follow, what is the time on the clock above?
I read 1h24
